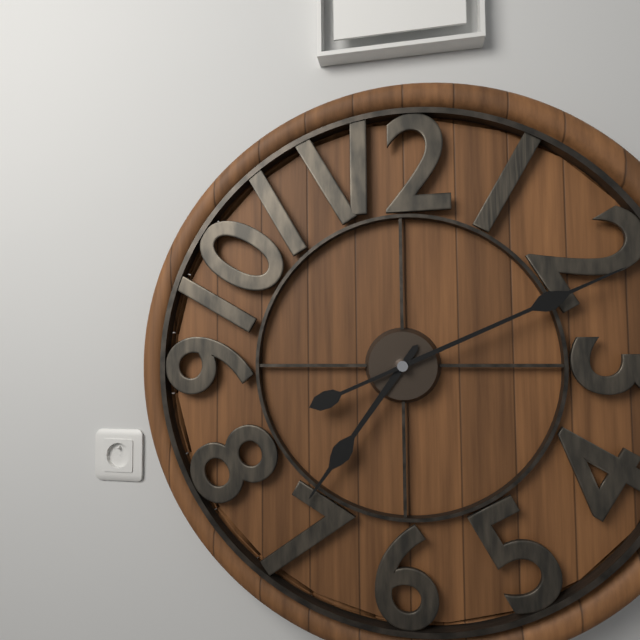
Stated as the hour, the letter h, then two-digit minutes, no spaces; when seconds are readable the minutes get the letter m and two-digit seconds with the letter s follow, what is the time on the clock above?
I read 7h11
